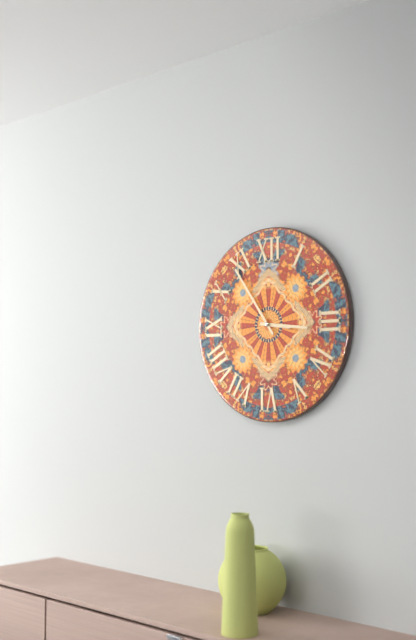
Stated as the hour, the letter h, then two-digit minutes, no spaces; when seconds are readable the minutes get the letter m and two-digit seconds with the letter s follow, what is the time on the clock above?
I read 3h16m54s
